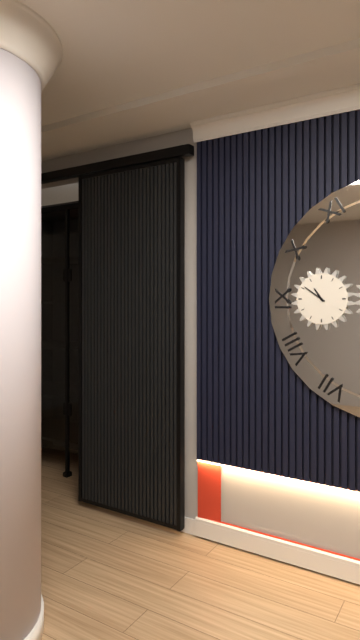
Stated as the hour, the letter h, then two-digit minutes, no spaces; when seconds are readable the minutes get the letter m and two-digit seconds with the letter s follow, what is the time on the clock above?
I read 10h51
